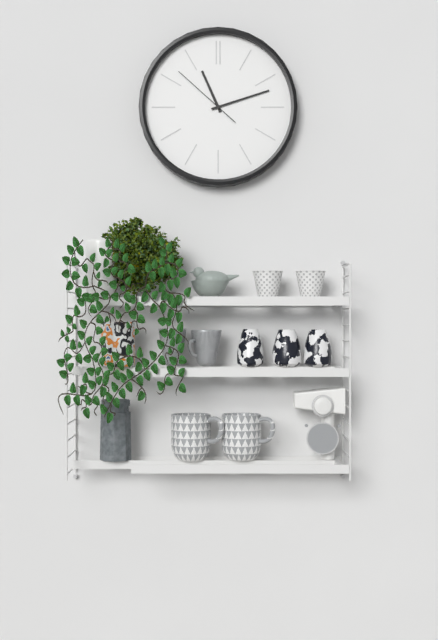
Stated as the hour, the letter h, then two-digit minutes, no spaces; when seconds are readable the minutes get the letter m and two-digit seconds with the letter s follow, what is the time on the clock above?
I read 11h12m52s
